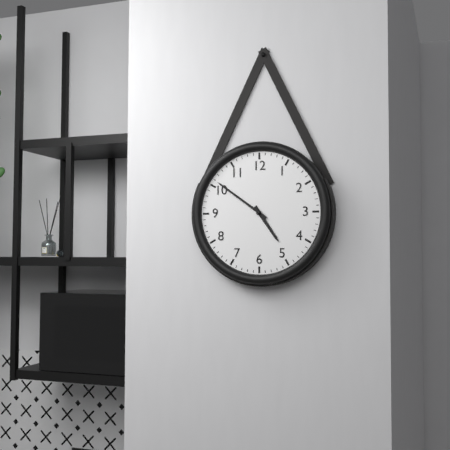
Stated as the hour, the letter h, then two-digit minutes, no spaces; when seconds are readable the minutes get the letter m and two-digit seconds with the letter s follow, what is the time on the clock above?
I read 4h51
